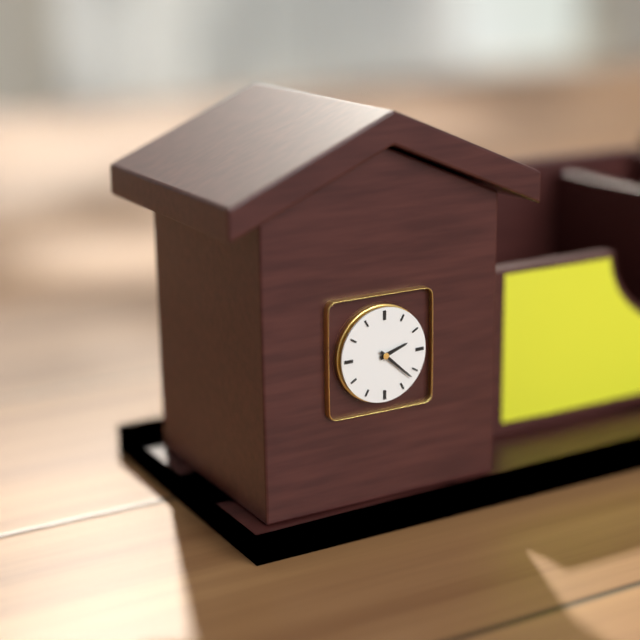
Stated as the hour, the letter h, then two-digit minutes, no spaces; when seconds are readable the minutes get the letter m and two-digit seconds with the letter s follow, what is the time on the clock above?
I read 2h22
